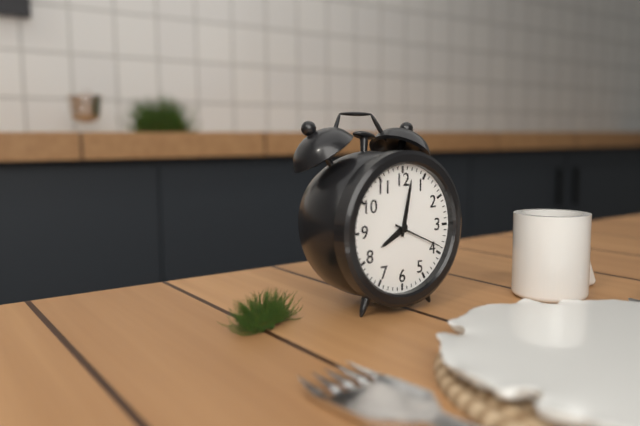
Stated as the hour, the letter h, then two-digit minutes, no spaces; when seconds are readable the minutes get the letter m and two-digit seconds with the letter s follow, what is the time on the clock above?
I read 8h02m19s
